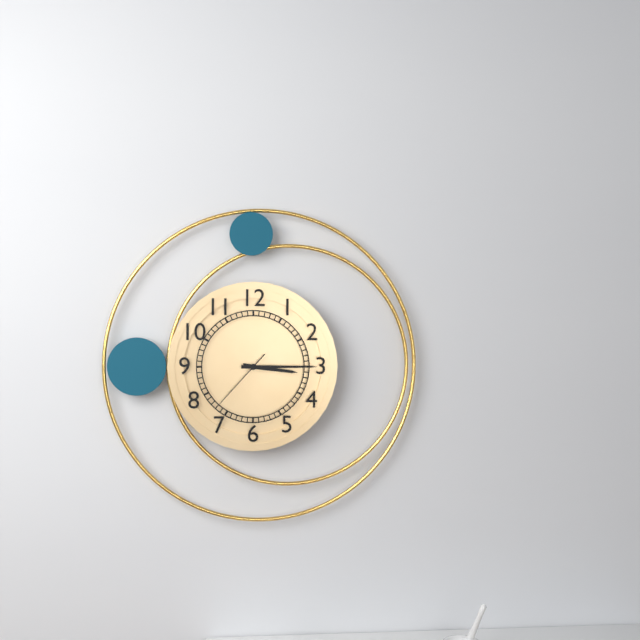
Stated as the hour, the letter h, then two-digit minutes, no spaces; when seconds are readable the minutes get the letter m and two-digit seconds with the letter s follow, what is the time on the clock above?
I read 3h15m37s
